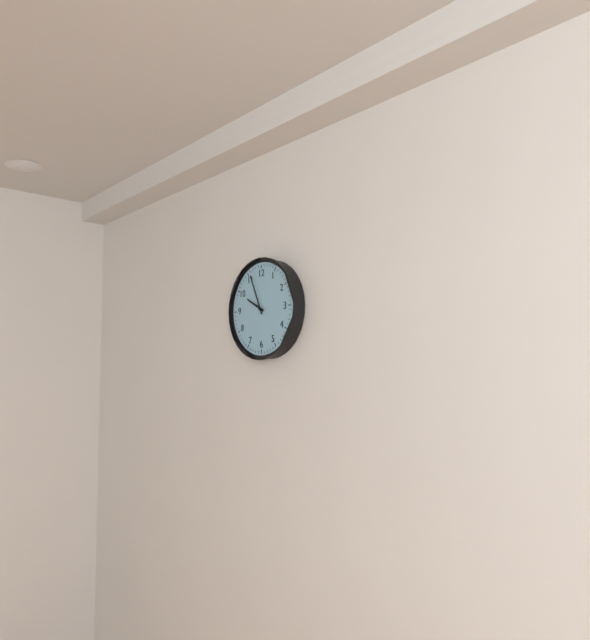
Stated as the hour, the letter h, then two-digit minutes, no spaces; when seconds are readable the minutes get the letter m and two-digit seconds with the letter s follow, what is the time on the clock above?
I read 9h56
